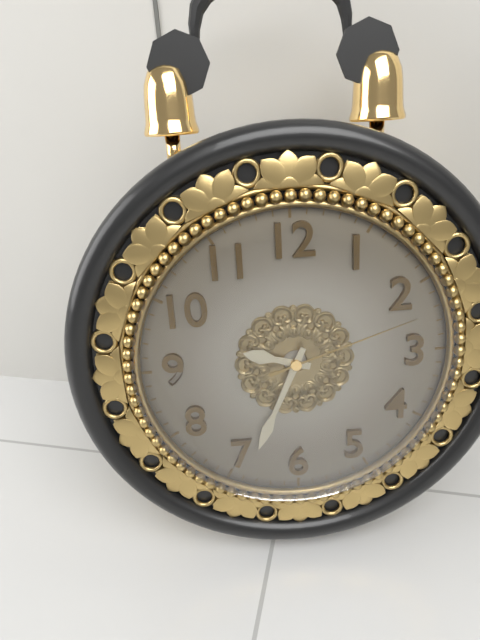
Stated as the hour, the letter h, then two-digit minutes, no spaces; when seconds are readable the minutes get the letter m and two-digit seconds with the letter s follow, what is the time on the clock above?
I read 9h34m12s
